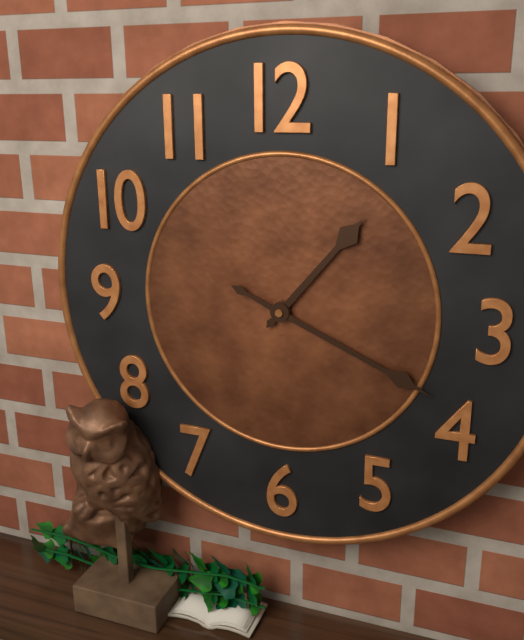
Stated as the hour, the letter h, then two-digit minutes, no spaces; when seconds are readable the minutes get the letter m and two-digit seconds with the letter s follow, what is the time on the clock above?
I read 1h19
